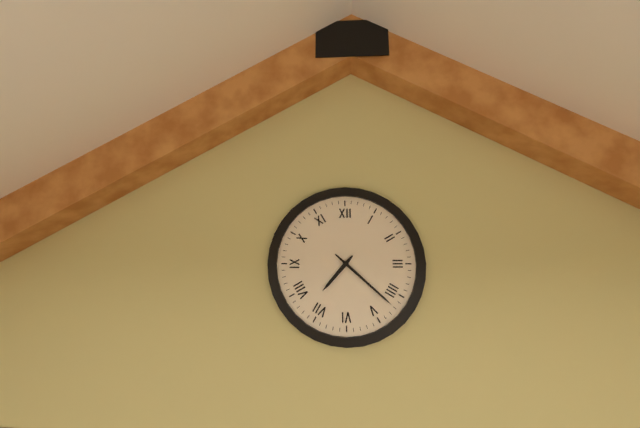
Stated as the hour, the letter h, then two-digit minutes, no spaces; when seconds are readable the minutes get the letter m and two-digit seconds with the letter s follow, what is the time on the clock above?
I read 7h22
